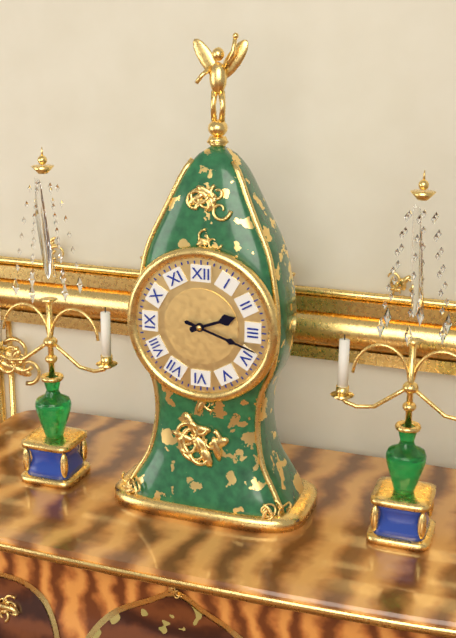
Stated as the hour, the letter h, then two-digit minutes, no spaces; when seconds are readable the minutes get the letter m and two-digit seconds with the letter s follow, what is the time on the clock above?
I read 2h18
